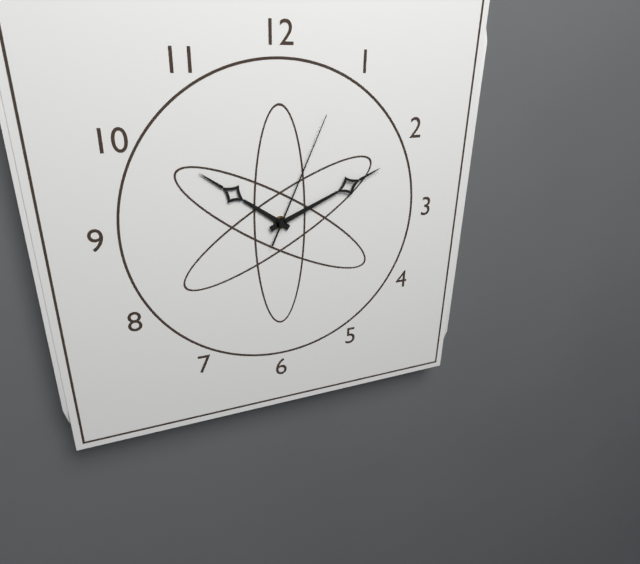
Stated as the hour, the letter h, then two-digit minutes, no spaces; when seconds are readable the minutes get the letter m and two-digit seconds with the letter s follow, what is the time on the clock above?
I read 10h11m04s
